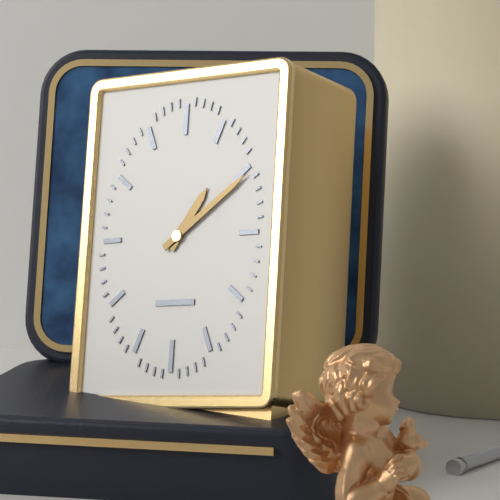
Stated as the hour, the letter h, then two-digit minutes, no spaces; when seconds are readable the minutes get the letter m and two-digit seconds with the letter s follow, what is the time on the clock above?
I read 1h09
